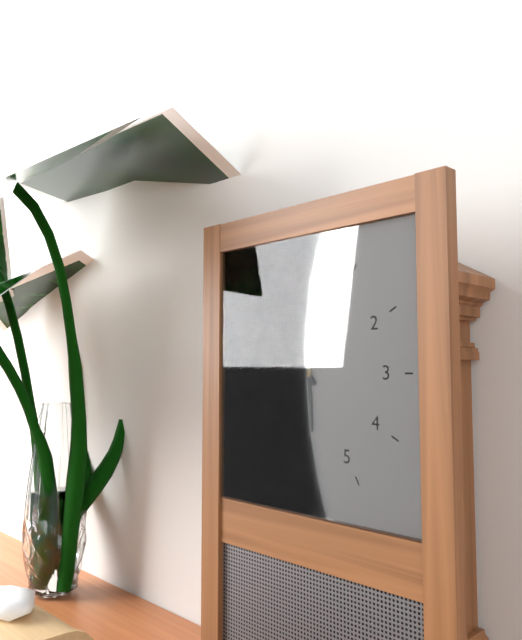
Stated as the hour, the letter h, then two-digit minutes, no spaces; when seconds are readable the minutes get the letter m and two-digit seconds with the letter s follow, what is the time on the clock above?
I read 5h54
